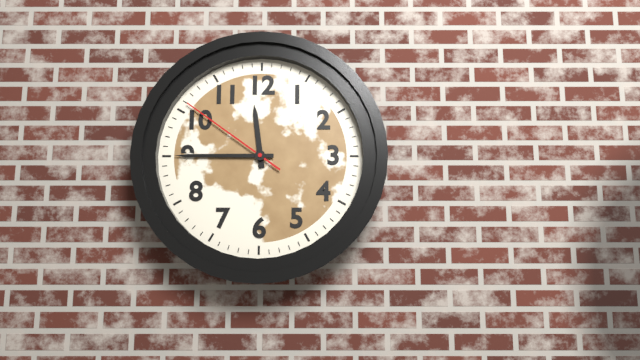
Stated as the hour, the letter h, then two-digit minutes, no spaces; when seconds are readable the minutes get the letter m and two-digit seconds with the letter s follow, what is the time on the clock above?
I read 11h45m51s
